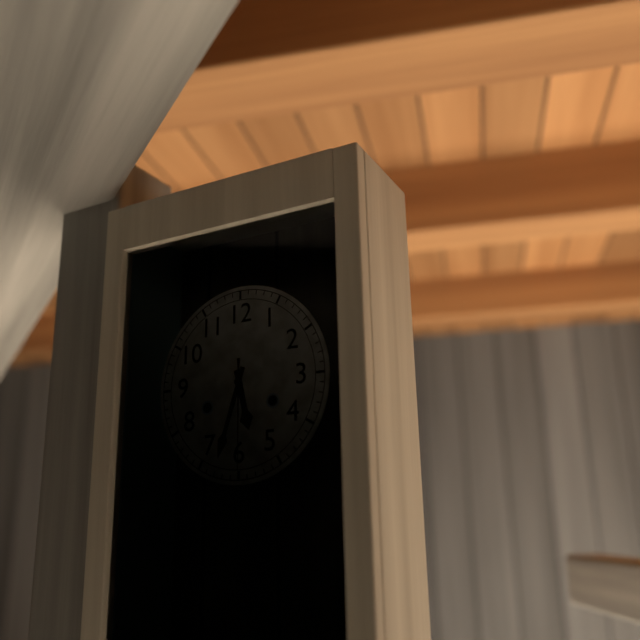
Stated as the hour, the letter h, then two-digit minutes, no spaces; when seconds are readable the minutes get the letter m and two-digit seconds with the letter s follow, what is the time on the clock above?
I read 5h33m30s
